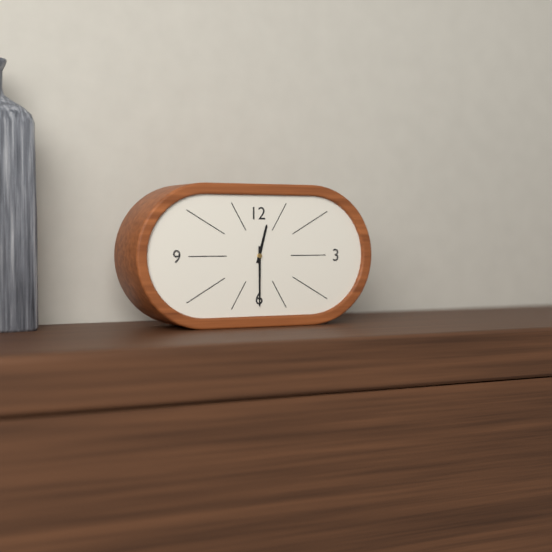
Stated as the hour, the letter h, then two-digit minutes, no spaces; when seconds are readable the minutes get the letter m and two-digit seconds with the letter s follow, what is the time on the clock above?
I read 12h30
